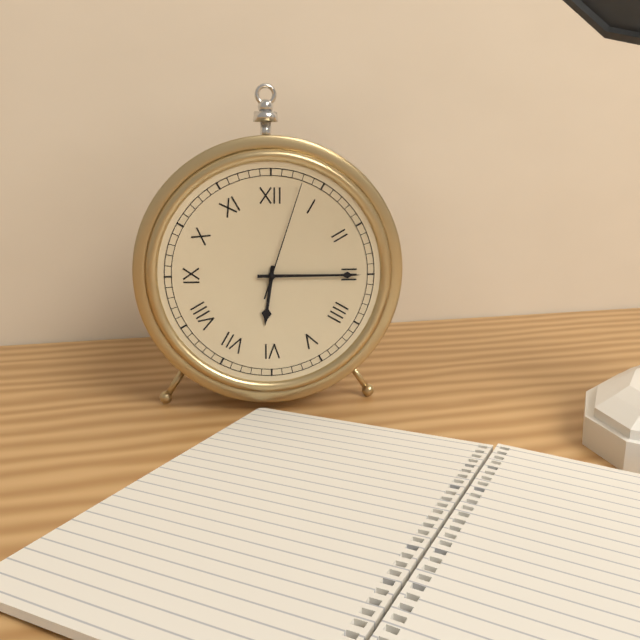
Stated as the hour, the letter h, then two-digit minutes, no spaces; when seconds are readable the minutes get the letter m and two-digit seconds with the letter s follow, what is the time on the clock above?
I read 6h15m03s
